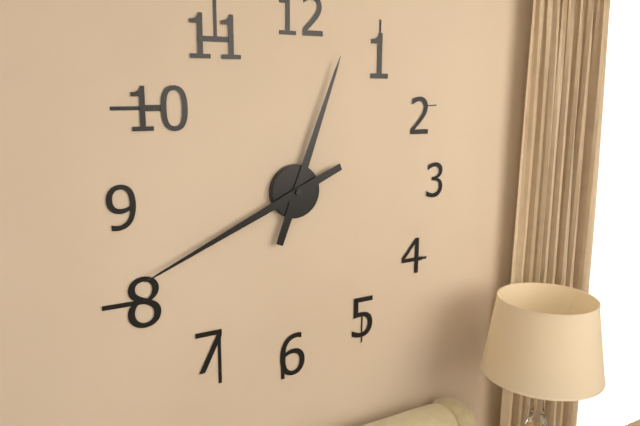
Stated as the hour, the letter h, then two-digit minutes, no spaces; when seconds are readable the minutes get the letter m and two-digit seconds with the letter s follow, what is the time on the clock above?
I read 12h41
